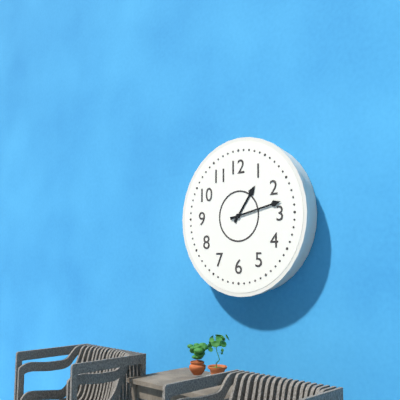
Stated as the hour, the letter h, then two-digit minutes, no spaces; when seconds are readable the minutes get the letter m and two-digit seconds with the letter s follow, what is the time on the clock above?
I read 1h13
